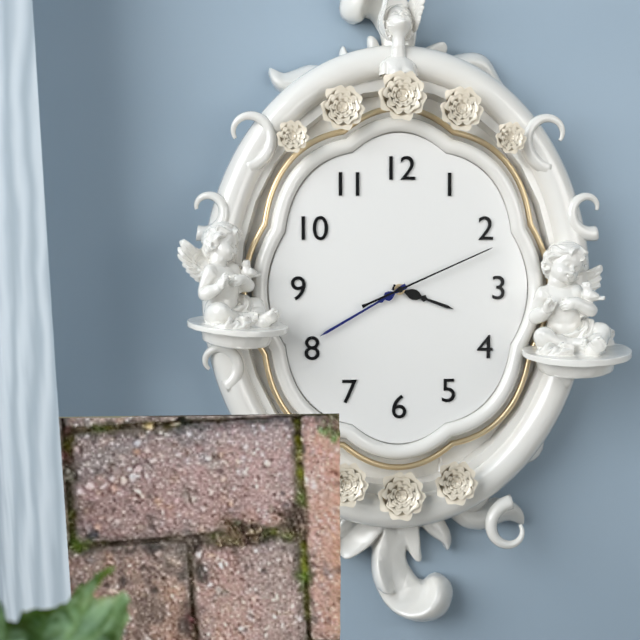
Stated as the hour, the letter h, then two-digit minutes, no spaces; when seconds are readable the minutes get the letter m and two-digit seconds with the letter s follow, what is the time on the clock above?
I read 3h40m11s
